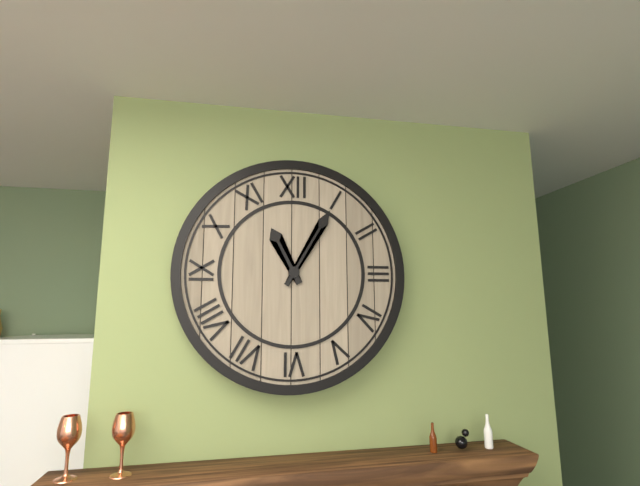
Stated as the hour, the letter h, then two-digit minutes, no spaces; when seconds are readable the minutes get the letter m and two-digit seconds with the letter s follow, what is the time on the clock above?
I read 11h05
